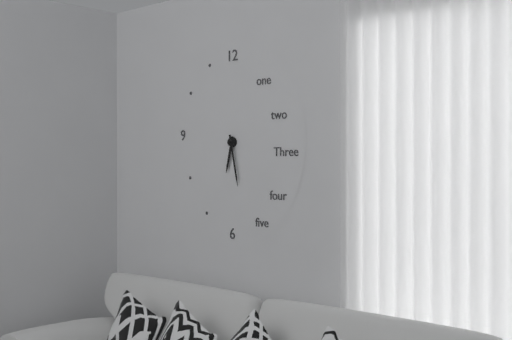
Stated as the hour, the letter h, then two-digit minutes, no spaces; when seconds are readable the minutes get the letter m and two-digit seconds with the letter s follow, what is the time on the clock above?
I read 6h28
